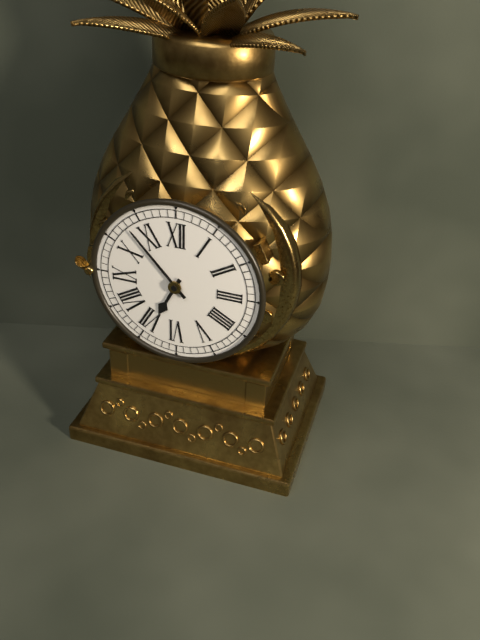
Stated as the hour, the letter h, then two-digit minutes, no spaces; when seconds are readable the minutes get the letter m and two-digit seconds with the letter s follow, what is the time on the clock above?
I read 6h53
